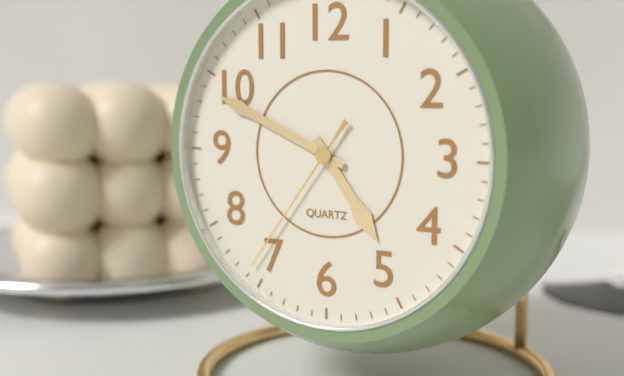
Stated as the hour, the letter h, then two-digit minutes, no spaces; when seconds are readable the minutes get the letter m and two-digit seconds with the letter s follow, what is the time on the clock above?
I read 4h49m36s
